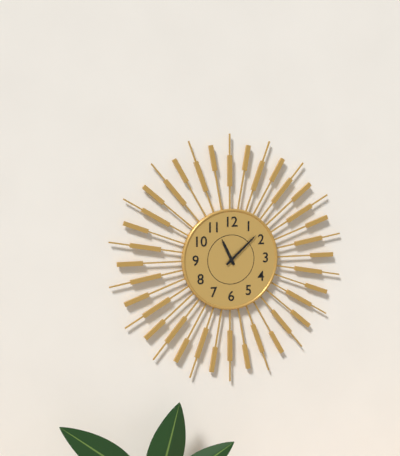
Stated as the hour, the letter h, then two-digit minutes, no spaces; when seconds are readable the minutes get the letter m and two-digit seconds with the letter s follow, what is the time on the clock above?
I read 11h08
